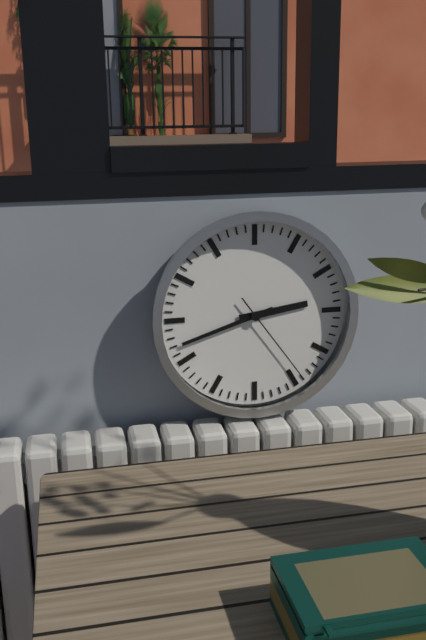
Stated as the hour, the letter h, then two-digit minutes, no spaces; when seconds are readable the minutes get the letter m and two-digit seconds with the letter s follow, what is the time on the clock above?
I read 2h42m24s
